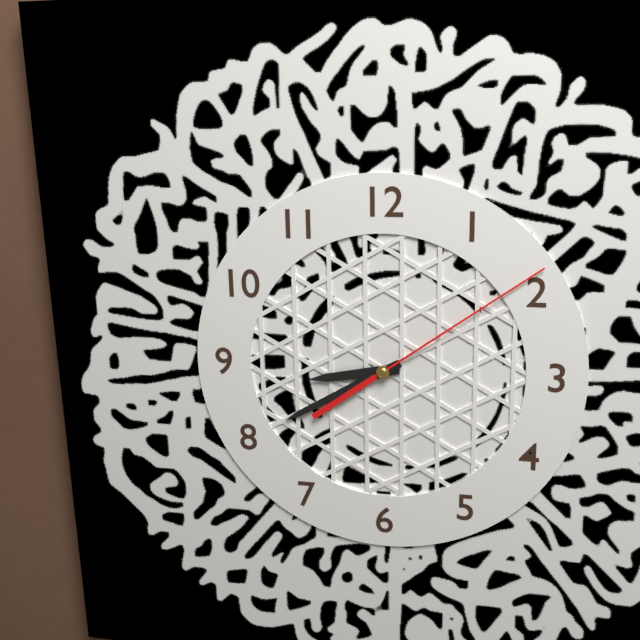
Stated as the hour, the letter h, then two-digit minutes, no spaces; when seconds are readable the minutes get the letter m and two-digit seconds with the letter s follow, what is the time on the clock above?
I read 8h40m09s
